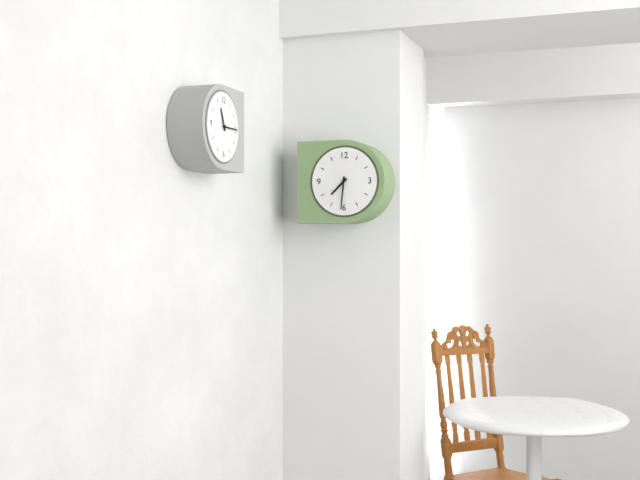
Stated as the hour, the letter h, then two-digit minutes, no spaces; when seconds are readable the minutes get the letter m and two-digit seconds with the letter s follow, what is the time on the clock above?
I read 7h31
